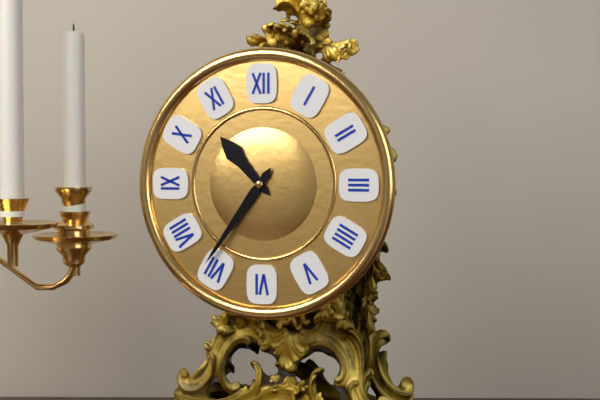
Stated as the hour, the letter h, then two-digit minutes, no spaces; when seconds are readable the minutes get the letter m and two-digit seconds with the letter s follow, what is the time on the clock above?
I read 10h36
